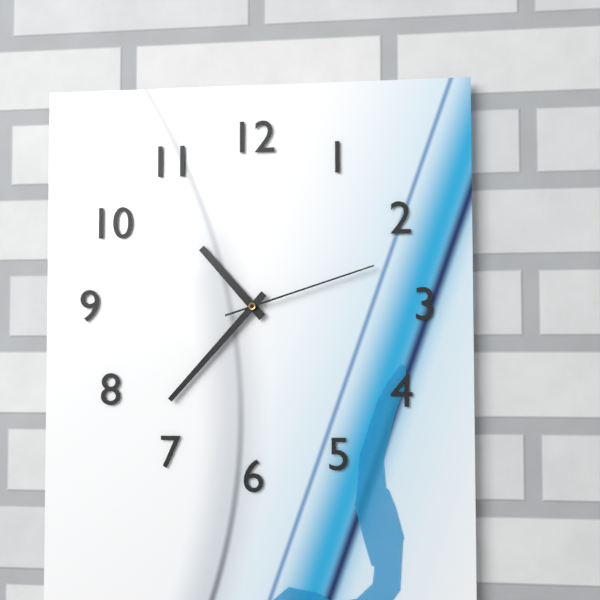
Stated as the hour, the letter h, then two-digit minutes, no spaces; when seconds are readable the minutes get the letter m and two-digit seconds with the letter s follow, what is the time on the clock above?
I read 10h37m12s
